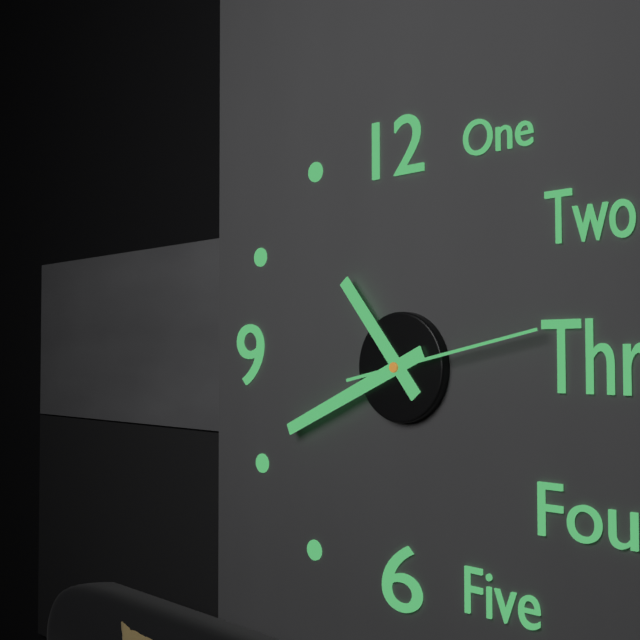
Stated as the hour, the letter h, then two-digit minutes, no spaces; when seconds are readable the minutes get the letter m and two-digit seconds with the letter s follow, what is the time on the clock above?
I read 10h41m13s
